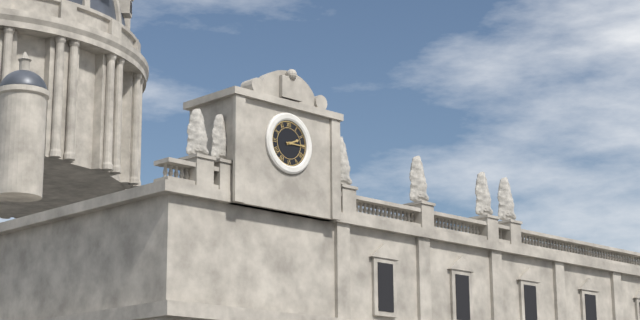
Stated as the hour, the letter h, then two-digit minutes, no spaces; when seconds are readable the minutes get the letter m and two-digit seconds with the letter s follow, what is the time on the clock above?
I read 2h15
